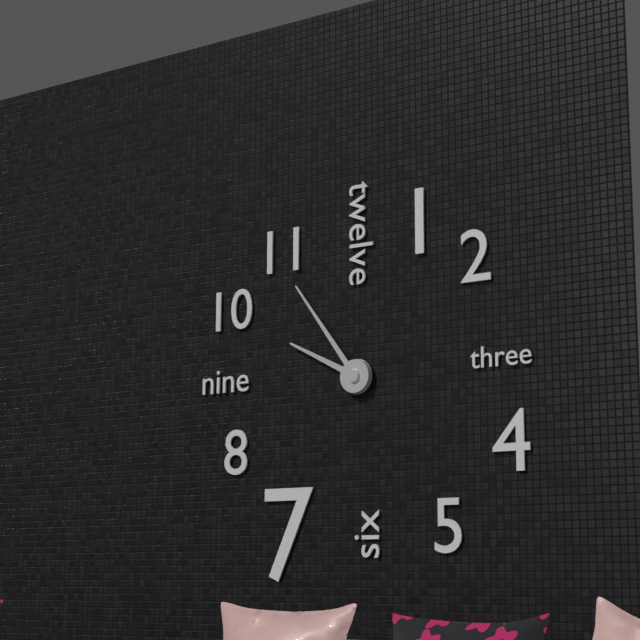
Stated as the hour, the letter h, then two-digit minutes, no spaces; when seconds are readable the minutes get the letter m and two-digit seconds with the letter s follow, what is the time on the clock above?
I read 9h54
